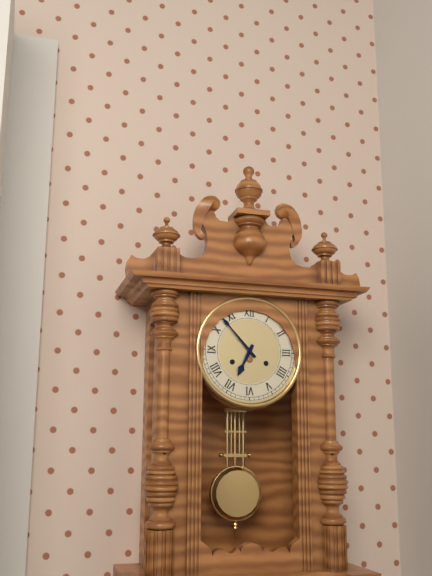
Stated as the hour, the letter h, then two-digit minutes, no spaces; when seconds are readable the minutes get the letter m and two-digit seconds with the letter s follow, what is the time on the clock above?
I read 6h53
